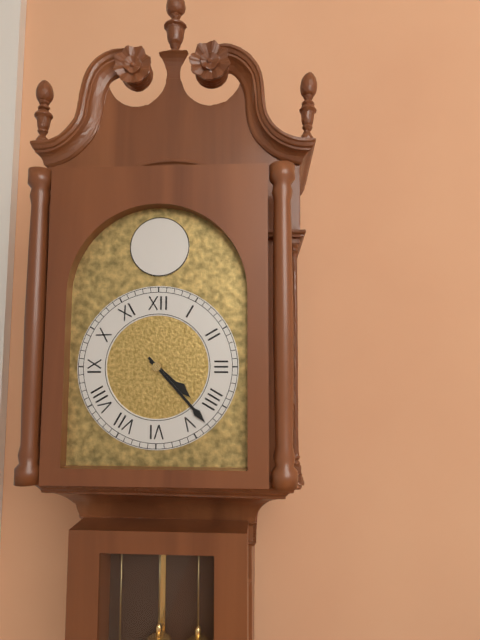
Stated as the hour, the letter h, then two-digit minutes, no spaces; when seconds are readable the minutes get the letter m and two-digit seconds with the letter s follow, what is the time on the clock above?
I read 4h23
